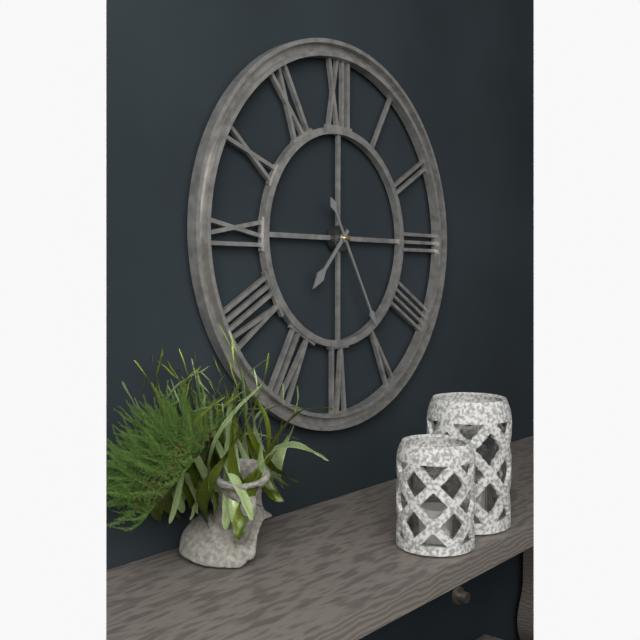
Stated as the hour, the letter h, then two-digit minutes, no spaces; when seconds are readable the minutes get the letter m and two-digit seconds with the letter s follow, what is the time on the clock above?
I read 7h25
